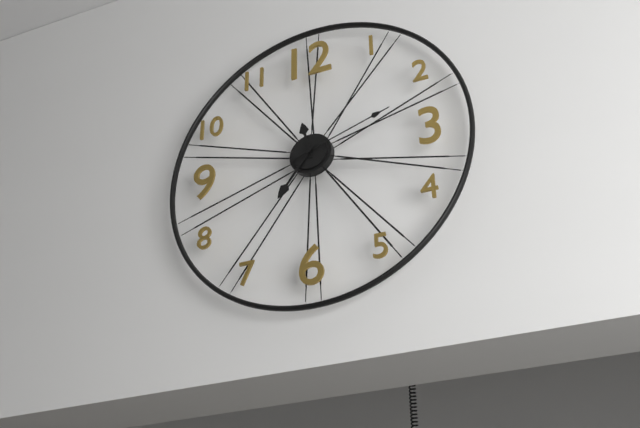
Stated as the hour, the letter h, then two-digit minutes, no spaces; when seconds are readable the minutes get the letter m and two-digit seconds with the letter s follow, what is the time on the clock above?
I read 11h36m12s
